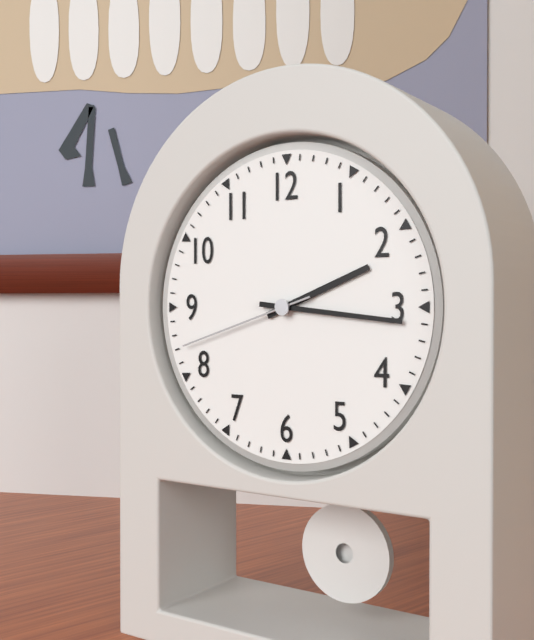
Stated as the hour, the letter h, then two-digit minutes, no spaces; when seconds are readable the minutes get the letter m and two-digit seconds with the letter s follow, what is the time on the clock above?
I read 2h16m42s
